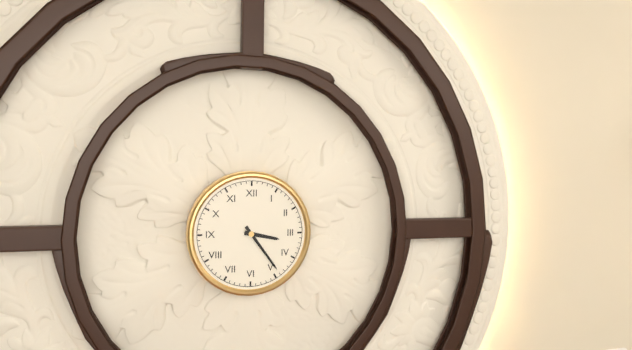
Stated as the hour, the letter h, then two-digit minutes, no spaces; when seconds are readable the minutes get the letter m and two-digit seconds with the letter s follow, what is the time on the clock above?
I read 3h24
